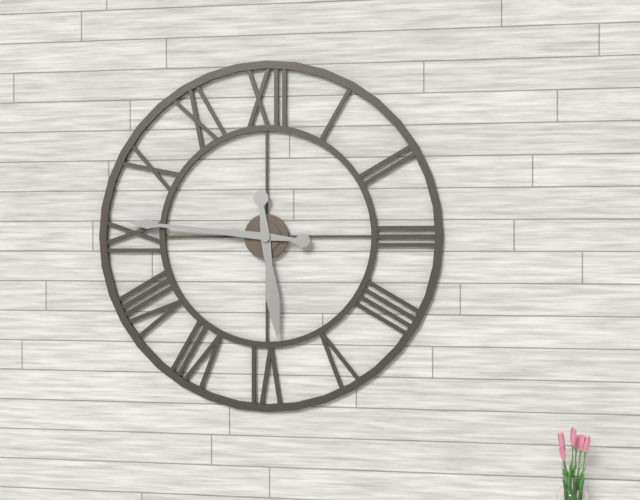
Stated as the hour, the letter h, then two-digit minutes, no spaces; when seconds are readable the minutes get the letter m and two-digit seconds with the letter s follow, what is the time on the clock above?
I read 5h46
